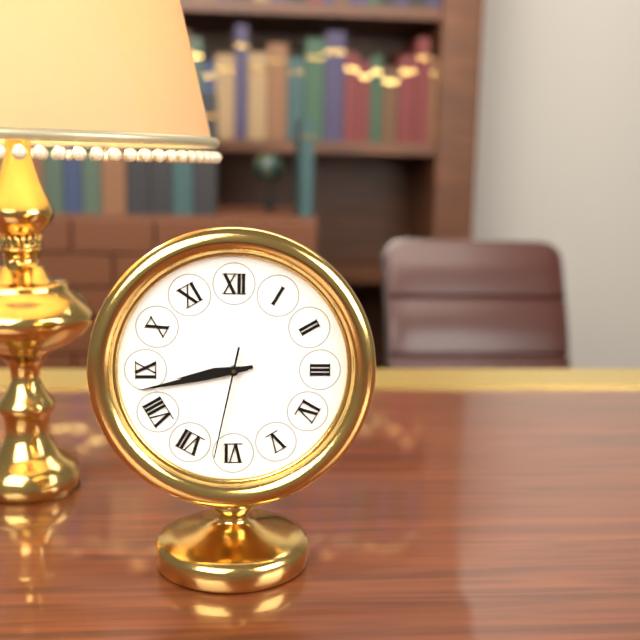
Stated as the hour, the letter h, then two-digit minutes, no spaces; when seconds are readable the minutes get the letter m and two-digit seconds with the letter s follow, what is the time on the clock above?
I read 8h43m32s
